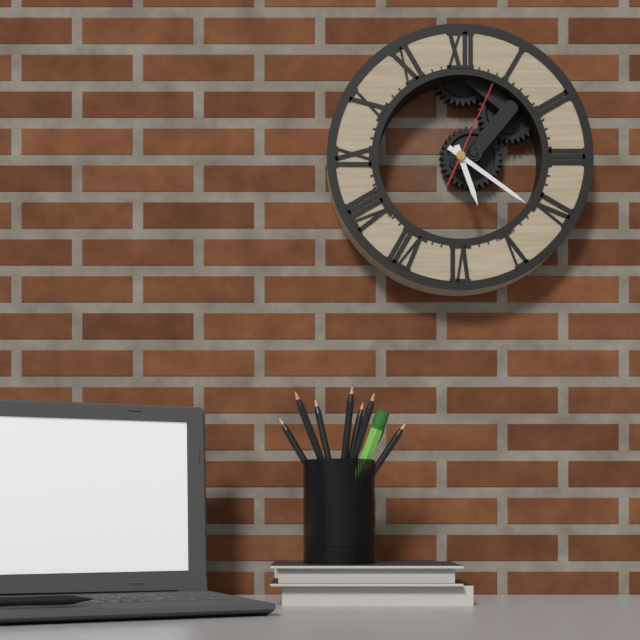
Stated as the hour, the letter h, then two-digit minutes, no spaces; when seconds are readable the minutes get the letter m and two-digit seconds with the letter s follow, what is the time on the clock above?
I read 5h21m04s
